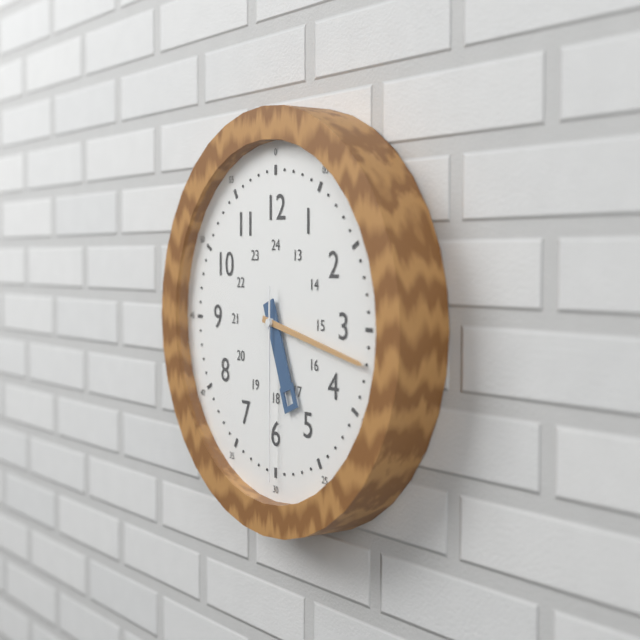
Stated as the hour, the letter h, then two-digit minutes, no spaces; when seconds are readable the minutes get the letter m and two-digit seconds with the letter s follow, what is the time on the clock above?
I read 5h17m30s
